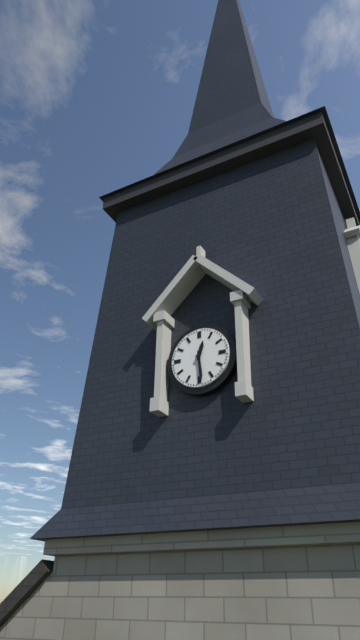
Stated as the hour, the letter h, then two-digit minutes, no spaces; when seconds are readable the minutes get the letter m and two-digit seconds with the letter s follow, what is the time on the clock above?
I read 12h29
